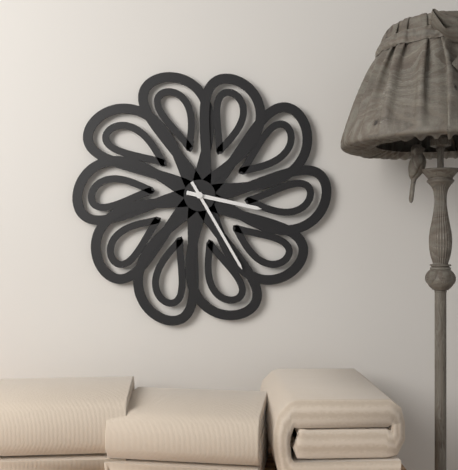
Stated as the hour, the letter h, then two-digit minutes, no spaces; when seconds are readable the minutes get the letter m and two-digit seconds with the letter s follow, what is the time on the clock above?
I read 3h25
